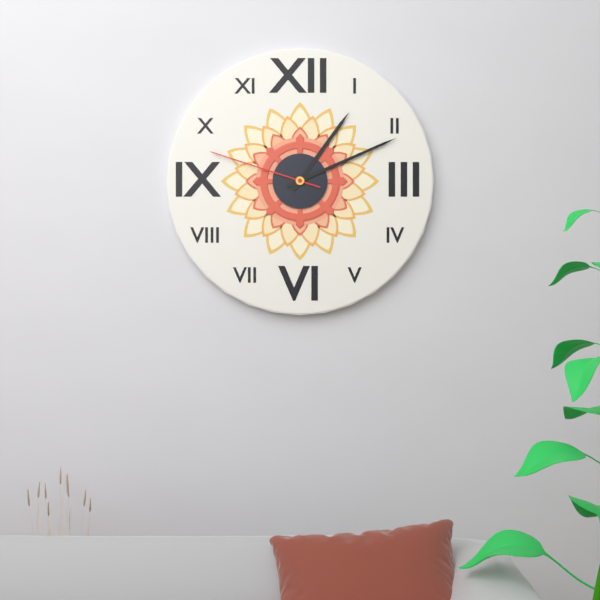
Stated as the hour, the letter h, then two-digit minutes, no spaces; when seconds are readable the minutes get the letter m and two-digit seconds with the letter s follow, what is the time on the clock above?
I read 1h11m48s
